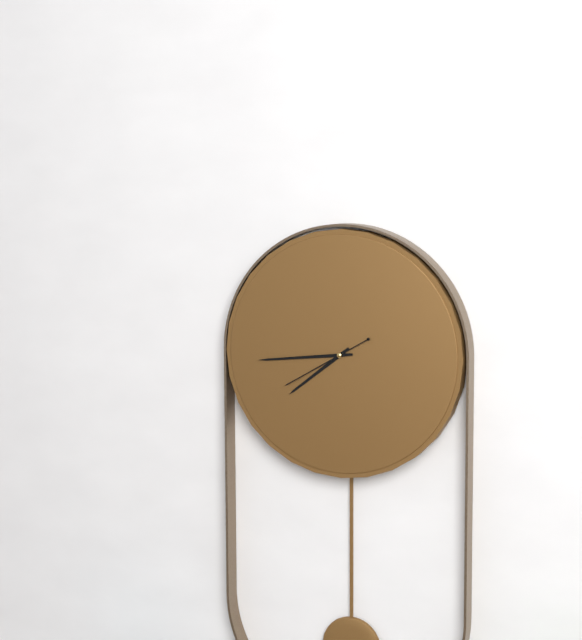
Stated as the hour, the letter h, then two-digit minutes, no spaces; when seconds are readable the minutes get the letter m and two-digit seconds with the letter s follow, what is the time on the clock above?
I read 7h44m40s
